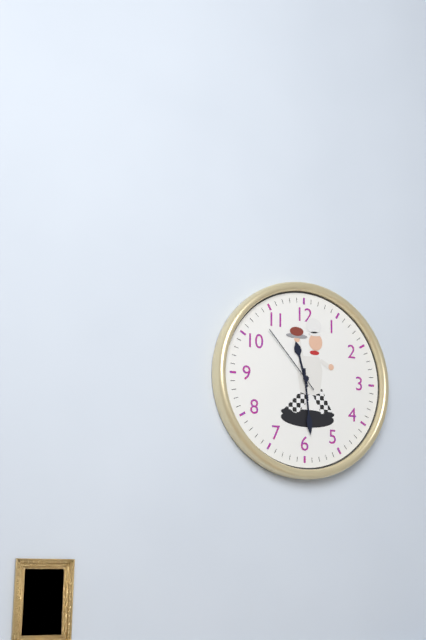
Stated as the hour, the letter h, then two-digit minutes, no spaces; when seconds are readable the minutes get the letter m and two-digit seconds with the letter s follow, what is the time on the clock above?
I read 11h29m53s
